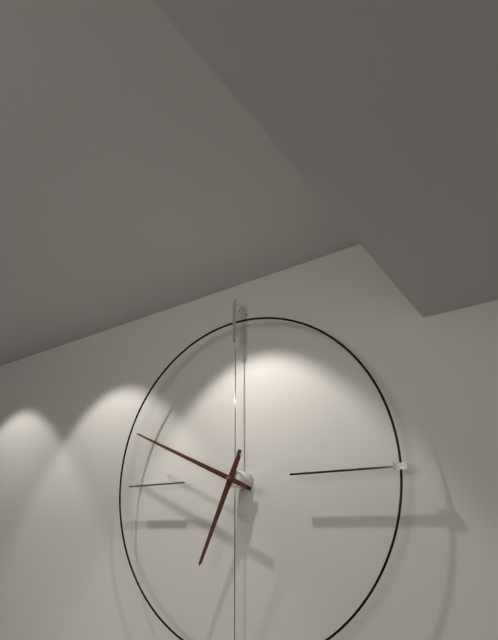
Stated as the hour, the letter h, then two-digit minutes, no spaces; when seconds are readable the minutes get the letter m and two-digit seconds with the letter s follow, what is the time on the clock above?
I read 6h49
